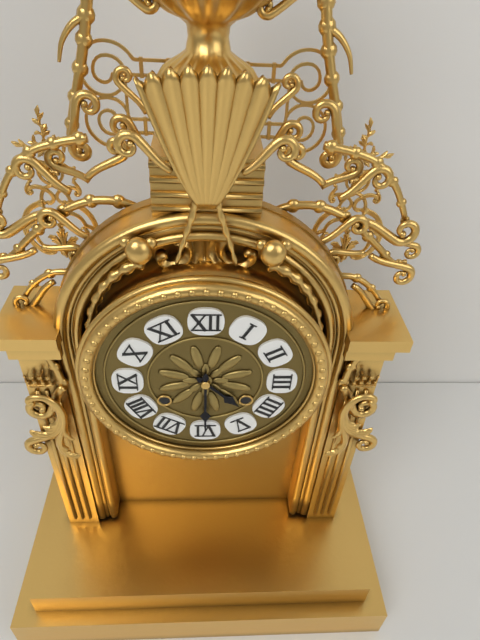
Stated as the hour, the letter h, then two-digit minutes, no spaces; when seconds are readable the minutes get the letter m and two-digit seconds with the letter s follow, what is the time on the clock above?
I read 4h30
